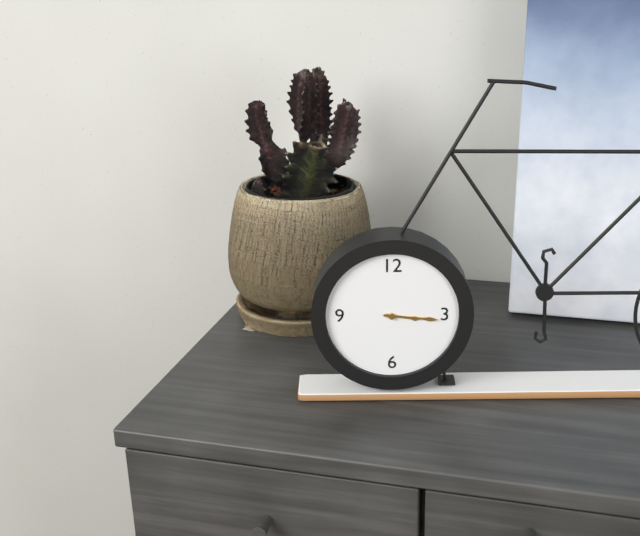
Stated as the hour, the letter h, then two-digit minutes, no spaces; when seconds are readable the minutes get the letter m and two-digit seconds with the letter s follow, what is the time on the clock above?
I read 3h16
